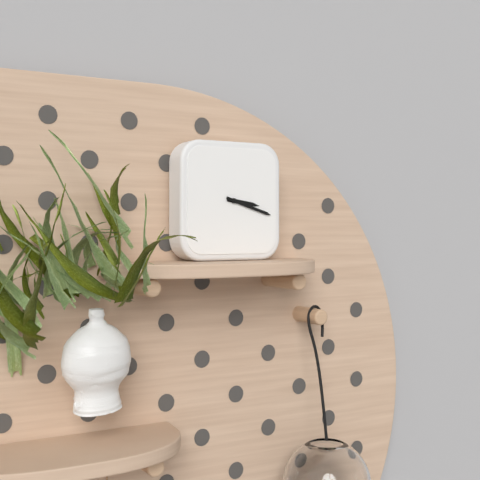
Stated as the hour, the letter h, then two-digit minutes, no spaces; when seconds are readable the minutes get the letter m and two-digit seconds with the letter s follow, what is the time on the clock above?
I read 3h18
